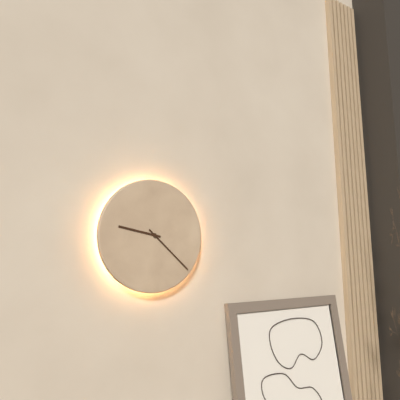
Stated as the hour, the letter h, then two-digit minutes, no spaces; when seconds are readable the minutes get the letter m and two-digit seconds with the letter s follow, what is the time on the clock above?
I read 9h22
